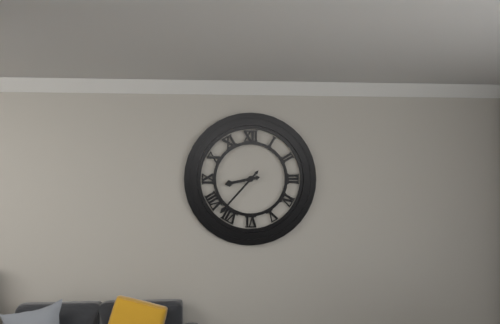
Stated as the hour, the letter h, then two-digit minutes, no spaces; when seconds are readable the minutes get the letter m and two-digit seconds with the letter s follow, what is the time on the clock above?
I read 8h37
